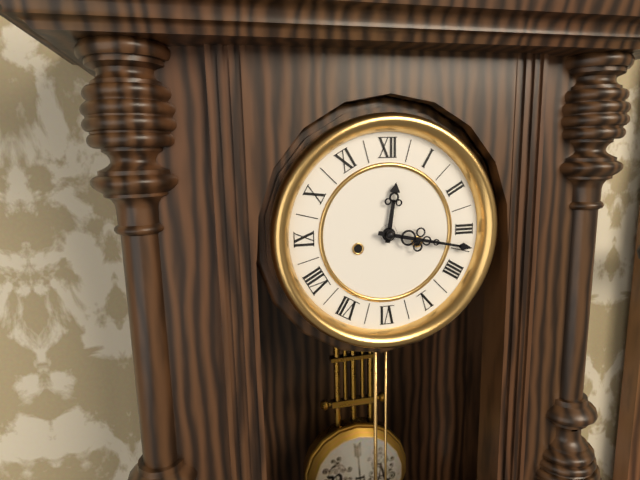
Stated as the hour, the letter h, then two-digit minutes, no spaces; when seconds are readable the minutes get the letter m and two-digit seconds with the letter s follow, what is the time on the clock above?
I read 12h17
